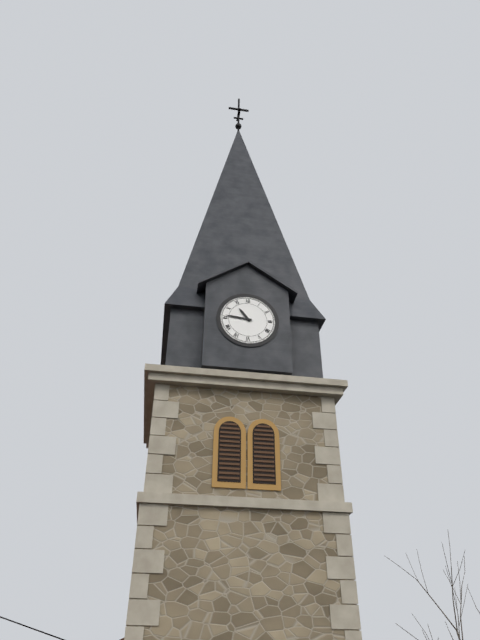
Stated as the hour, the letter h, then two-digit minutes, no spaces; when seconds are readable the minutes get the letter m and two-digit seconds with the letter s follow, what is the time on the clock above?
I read 10h46
